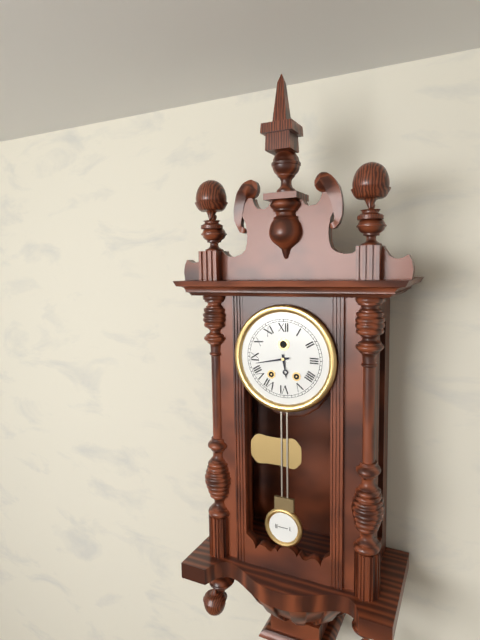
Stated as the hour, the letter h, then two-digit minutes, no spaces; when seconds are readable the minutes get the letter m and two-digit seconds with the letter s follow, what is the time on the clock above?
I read 5h43
